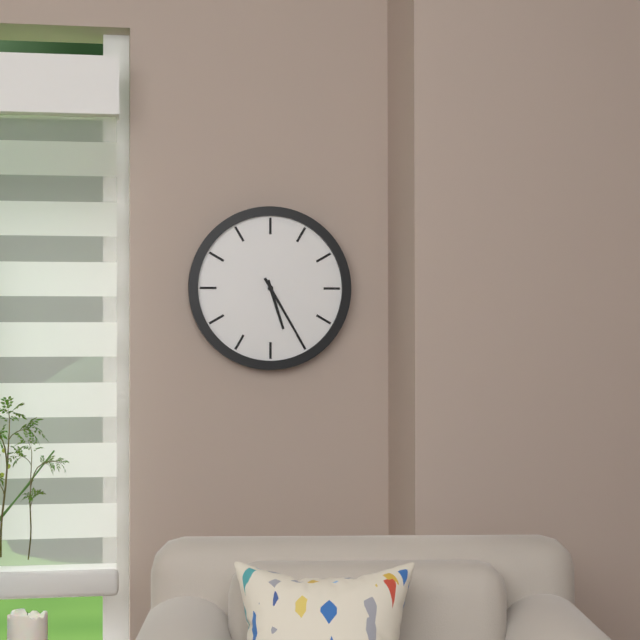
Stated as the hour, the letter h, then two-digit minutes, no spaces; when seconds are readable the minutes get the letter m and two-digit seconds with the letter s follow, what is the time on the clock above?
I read 5h25
